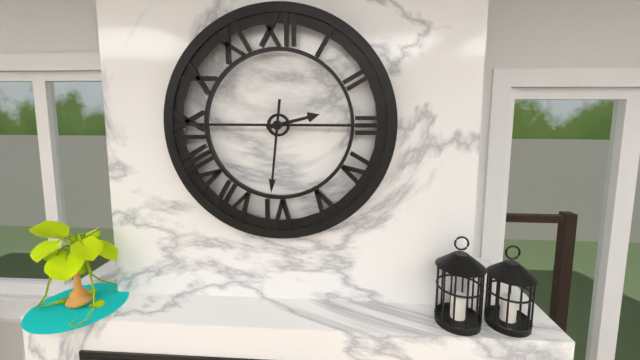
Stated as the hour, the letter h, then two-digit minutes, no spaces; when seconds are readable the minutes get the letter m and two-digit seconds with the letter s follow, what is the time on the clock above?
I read 2h31
